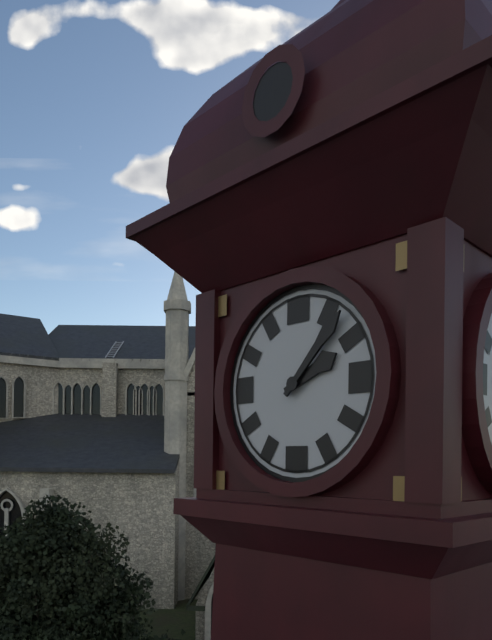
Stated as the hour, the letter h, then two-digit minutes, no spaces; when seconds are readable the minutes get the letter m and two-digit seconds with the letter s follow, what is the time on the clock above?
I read 2h07
